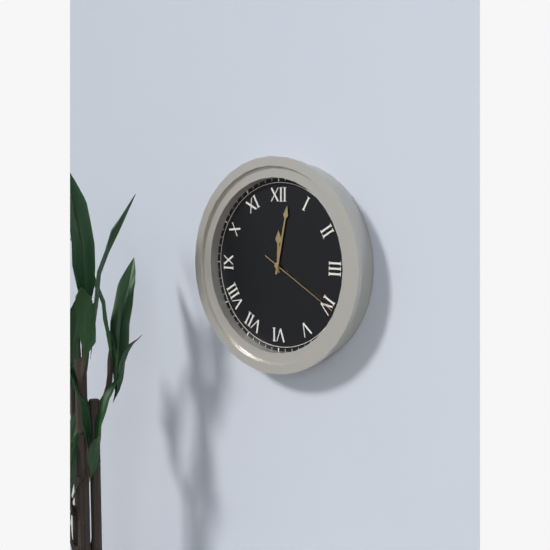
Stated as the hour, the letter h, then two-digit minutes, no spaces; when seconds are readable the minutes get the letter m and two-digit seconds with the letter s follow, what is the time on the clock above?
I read 12h02m20s
